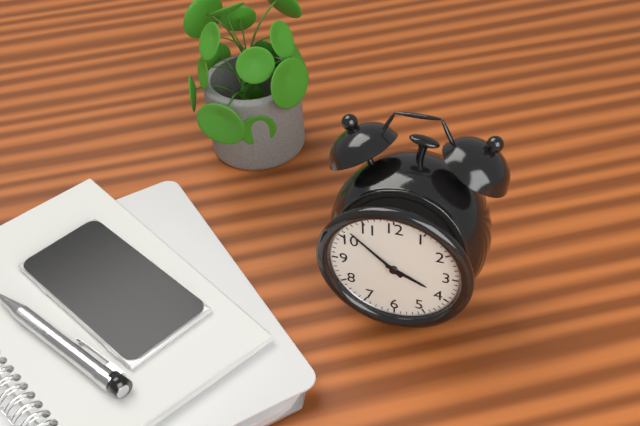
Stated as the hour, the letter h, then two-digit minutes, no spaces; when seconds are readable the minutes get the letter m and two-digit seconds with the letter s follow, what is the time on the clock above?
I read 3h52
